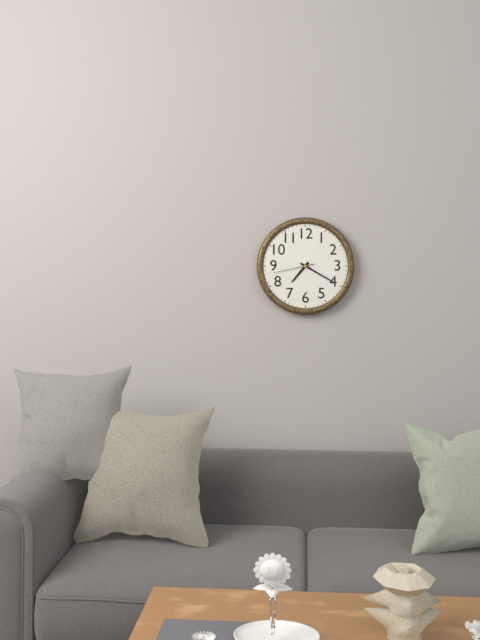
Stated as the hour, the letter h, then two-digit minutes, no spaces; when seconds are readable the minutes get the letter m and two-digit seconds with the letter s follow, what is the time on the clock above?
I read 7h20
